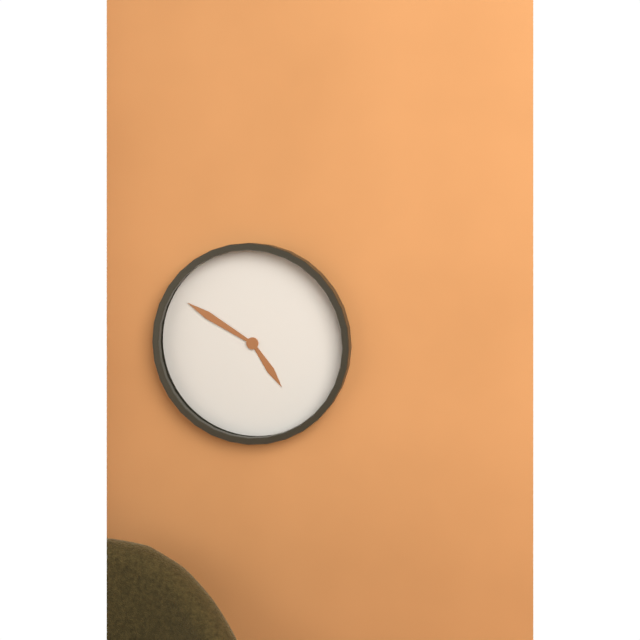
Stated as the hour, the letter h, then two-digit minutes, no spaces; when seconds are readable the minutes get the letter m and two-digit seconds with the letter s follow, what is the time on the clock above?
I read 4h50
